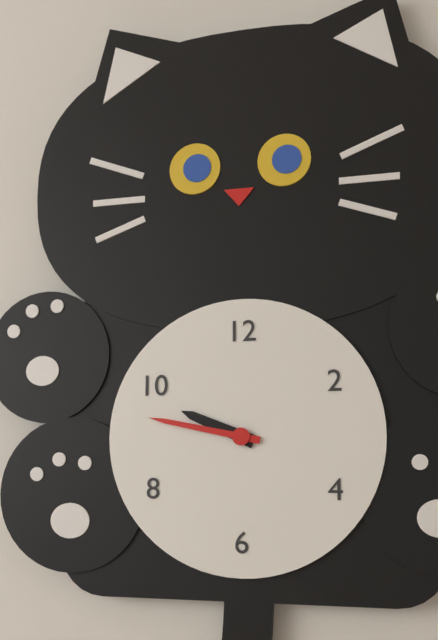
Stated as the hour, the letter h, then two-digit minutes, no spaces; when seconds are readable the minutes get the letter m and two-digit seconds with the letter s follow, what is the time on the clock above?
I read 9h47
